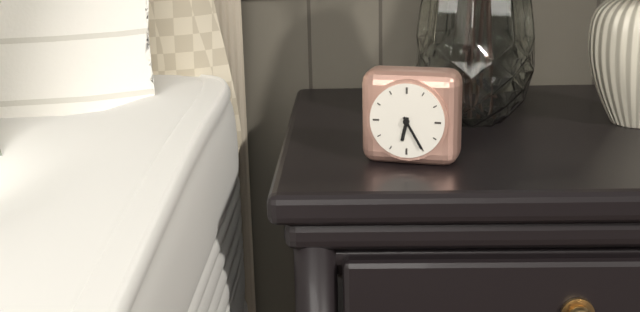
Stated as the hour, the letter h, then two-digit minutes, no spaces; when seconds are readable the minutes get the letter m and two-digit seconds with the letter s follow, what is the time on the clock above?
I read 6h25
